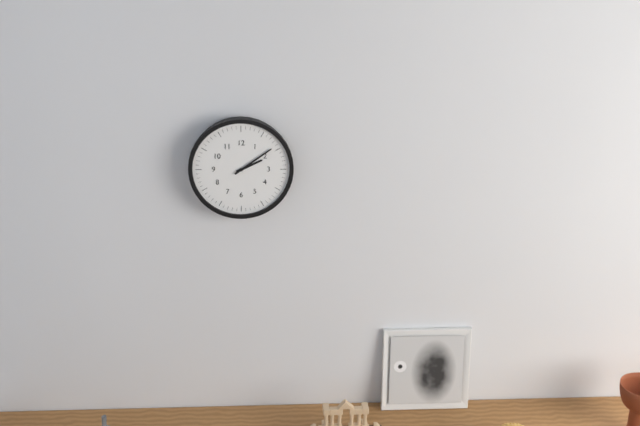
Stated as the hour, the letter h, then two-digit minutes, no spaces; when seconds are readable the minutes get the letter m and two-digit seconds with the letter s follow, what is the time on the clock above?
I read 2h09
